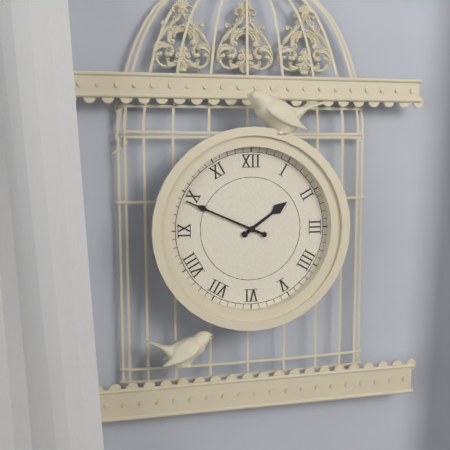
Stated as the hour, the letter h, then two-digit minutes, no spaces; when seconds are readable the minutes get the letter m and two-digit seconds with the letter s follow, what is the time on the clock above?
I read 1h49
